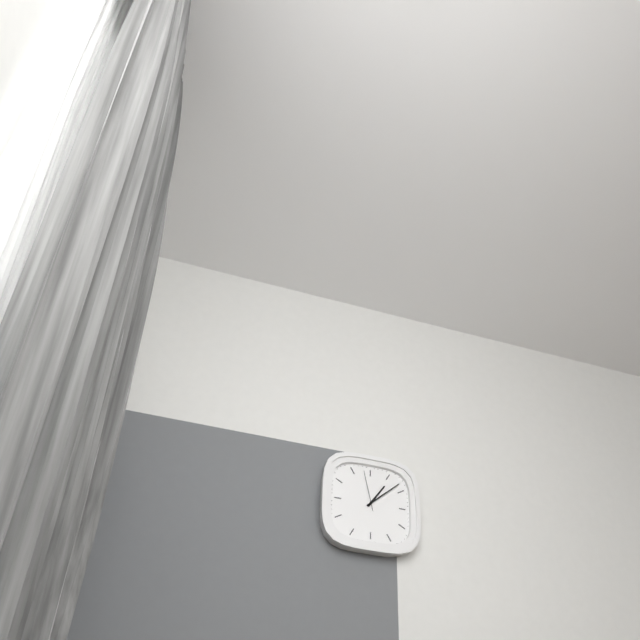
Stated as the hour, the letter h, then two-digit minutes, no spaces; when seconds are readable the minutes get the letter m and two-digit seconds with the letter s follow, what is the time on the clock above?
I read 1h08
